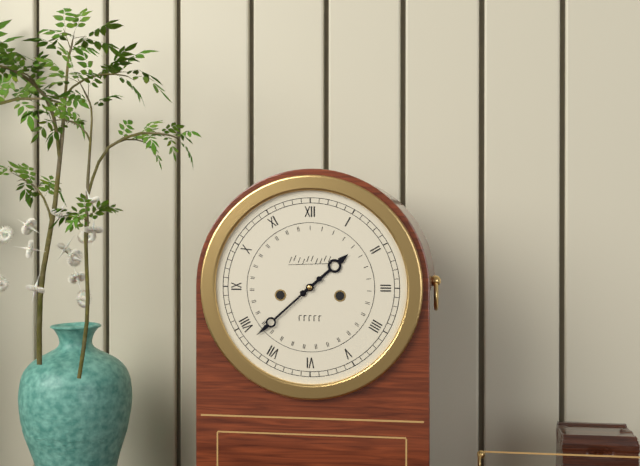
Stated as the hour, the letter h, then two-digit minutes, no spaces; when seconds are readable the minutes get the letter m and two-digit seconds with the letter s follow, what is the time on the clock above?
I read 1h38
